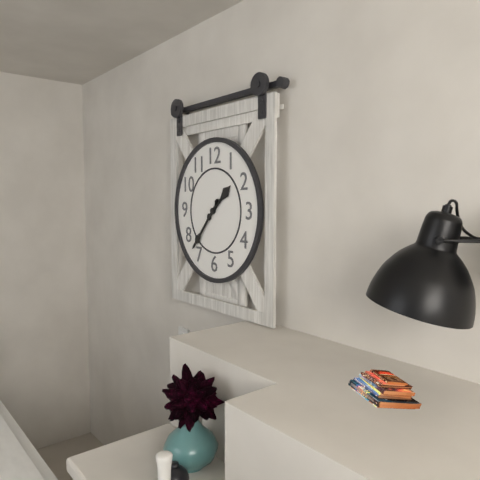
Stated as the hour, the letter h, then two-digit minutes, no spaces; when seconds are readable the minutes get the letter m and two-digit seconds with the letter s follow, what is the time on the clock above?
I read 1h37
